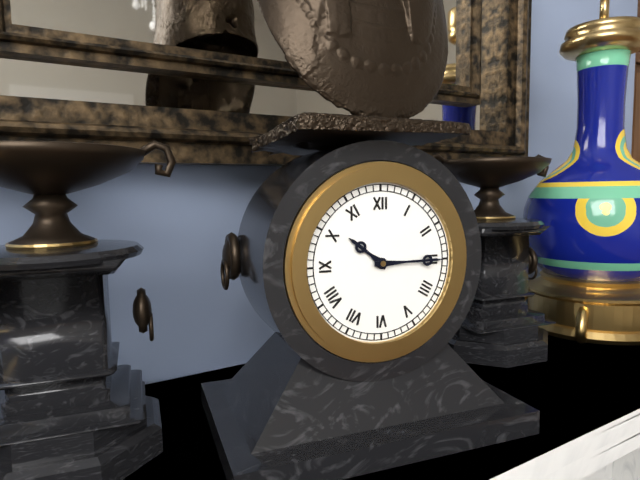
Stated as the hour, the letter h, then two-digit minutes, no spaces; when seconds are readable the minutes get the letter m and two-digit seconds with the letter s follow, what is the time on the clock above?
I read 10h15
